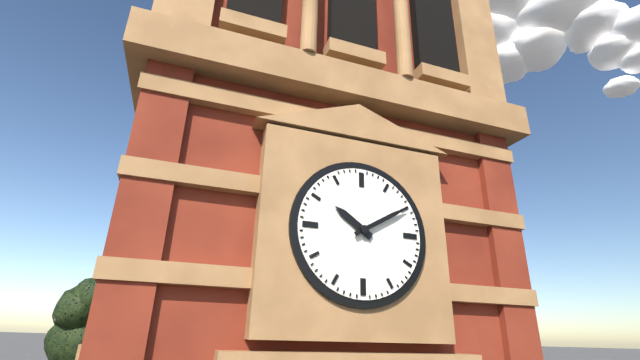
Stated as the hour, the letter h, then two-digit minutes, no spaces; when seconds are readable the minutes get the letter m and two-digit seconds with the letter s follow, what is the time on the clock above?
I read 10h10
